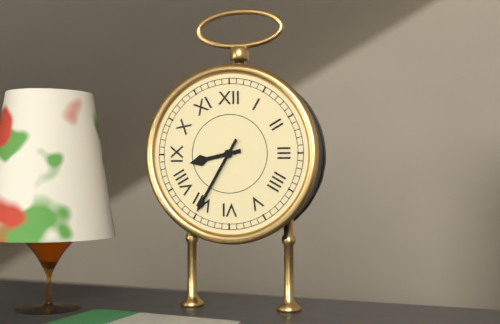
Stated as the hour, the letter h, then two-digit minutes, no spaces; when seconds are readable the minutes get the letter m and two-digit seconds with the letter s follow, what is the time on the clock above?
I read 8h35
